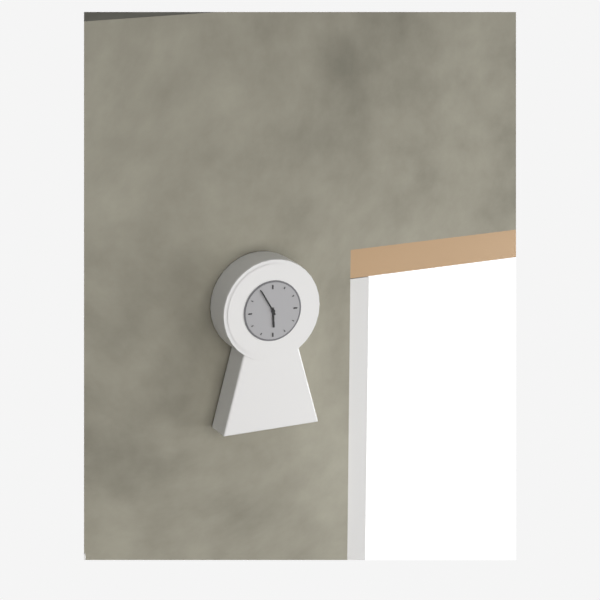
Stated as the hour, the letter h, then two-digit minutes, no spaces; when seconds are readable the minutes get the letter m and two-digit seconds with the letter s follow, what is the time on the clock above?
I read 5h55
